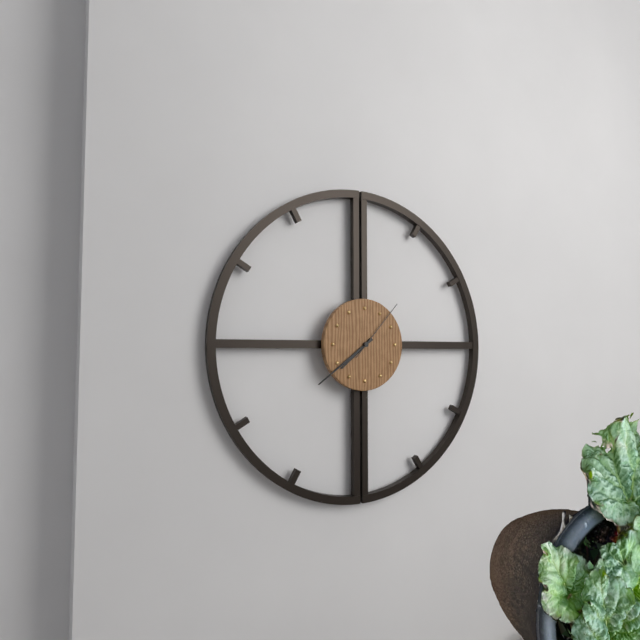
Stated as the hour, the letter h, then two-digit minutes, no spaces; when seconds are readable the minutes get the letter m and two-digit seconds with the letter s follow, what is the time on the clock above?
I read 7h39m07s
